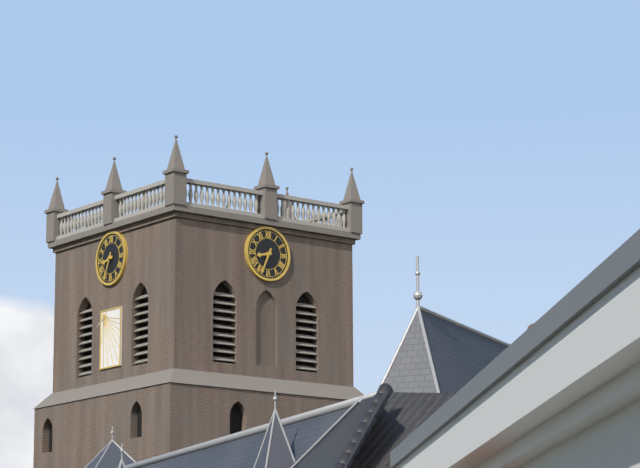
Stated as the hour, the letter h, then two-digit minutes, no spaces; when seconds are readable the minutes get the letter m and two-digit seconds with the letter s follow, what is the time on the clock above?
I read 8h34
